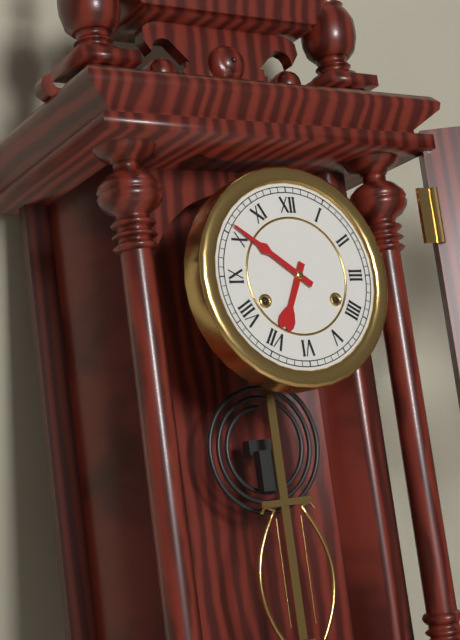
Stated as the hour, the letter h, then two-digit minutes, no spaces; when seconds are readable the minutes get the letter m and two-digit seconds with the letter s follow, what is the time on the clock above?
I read 6h51
